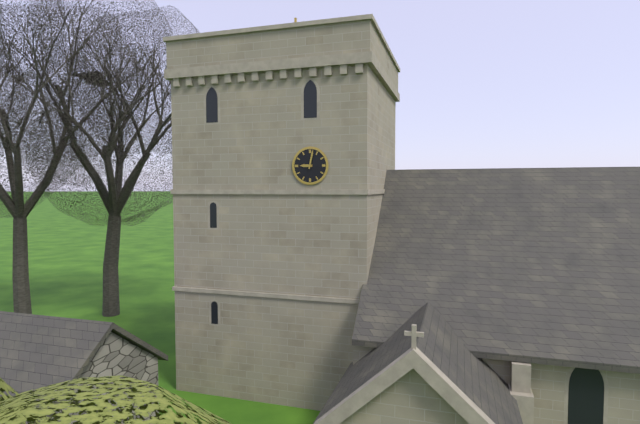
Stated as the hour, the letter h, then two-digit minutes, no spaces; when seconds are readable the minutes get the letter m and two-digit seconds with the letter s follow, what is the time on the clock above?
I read 9h02
